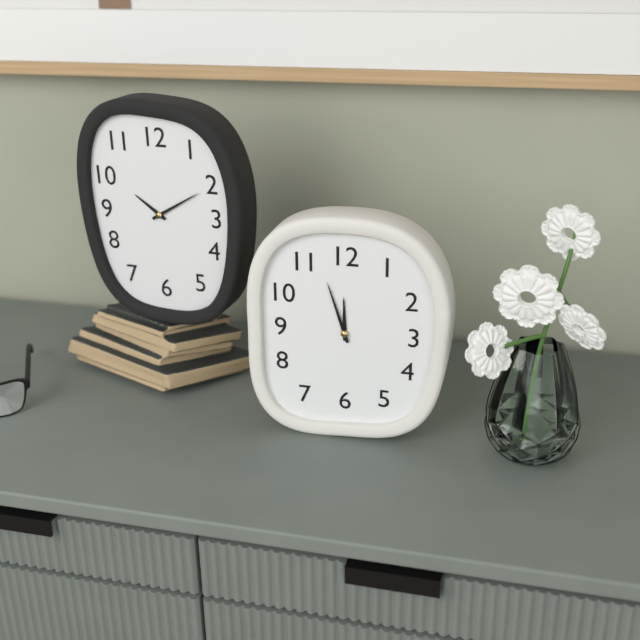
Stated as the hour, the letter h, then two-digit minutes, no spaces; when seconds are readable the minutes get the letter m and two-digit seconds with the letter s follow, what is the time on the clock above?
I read 11h57
